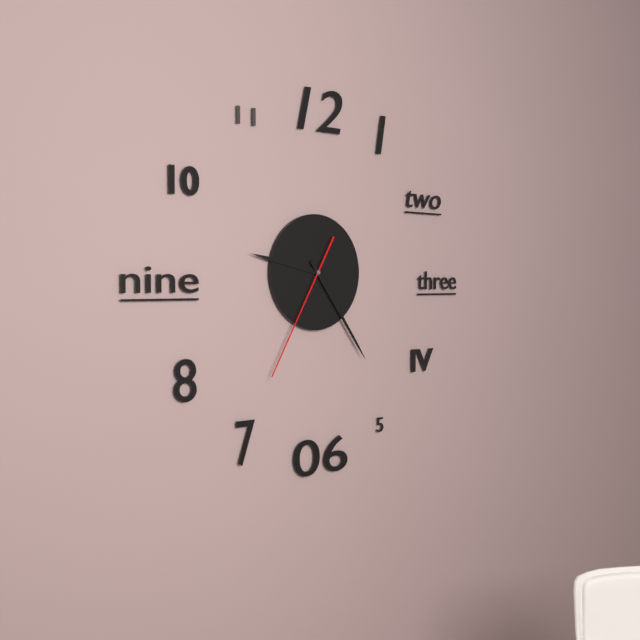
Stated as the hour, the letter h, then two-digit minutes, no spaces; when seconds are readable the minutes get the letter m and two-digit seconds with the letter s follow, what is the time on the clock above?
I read 9h24m35s
